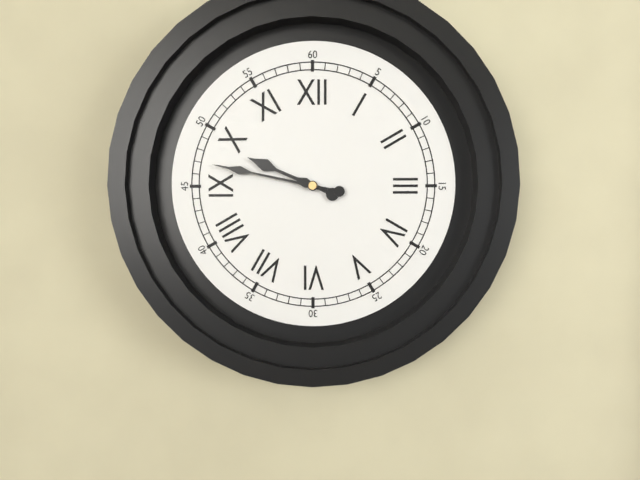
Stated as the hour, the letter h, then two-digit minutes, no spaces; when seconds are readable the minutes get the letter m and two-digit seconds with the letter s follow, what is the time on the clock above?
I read 9h47
